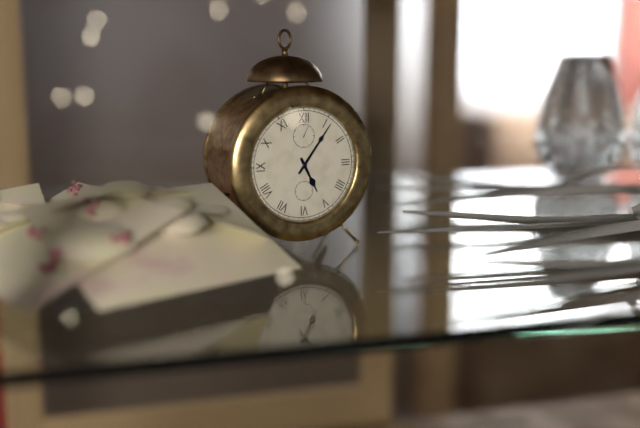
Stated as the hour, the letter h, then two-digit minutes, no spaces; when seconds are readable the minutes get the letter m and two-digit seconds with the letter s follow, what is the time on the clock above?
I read 5h06
